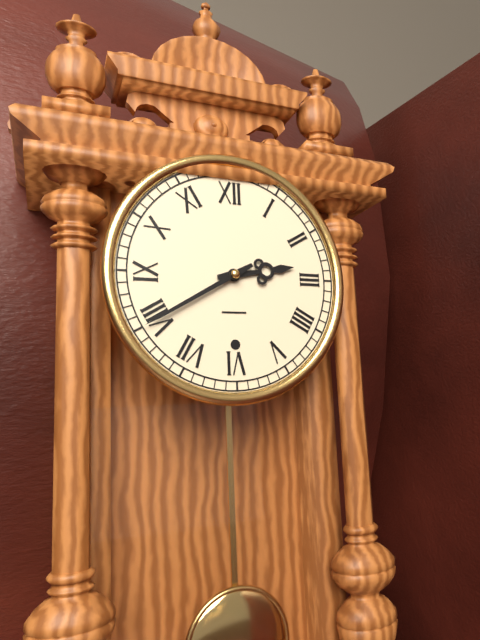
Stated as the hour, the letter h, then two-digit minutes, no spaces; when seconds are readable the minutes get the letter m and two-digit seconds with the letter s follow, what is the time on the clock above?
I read 2h40
